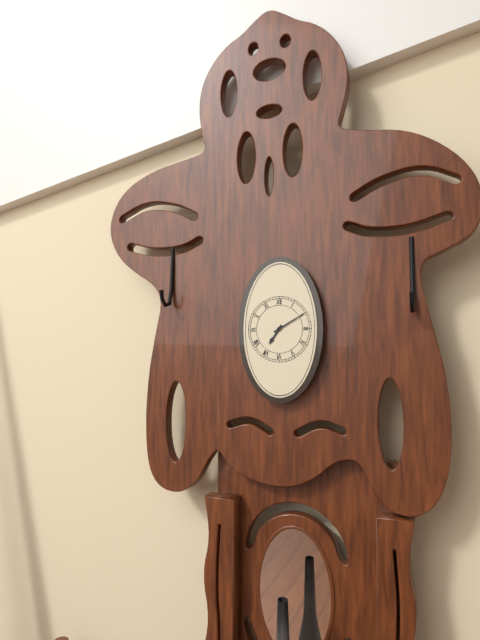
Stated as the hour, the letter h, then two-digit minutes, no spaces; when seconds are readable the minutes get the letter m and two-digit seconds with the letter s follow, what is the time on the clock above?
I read 7h10
